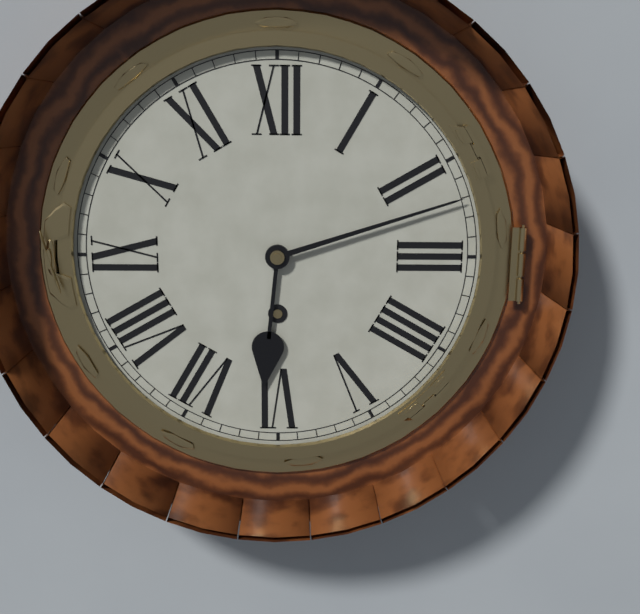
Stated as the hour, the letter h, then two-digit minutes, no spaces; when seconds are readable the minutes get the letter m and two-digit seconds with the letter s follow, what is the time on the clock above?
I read 6h12
